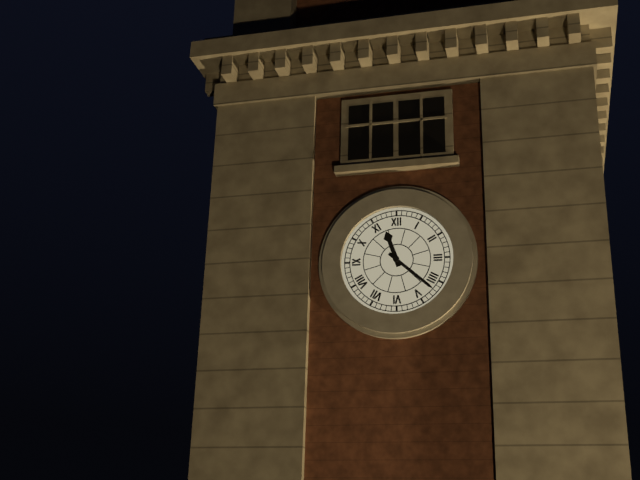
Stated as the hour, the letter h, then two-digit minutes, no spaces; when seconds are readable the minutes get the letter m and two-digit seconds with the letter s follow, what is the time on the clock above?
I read 11h22
